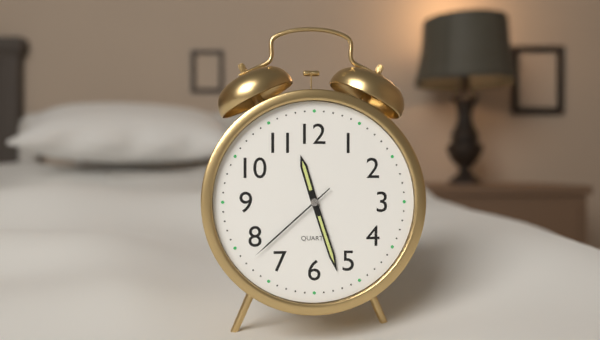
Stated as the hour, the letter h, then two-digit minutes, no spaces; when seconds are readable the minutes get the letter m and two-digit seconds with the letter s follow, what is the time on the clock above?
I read 11h27m38s
